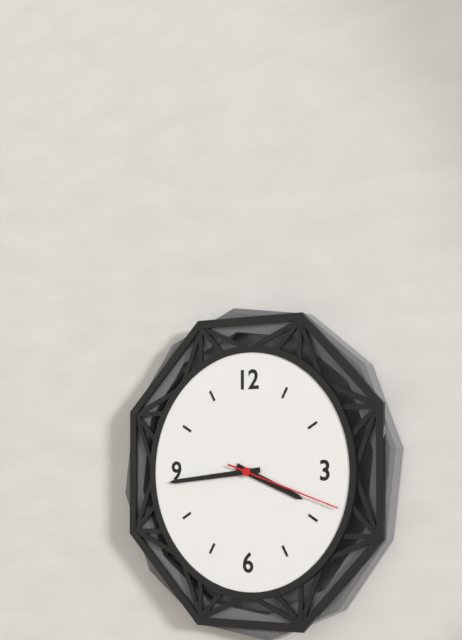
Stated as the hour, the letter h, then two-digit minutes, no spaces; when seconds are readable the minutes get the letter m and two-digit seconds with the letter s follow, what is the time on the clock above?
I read 3h44m18s
